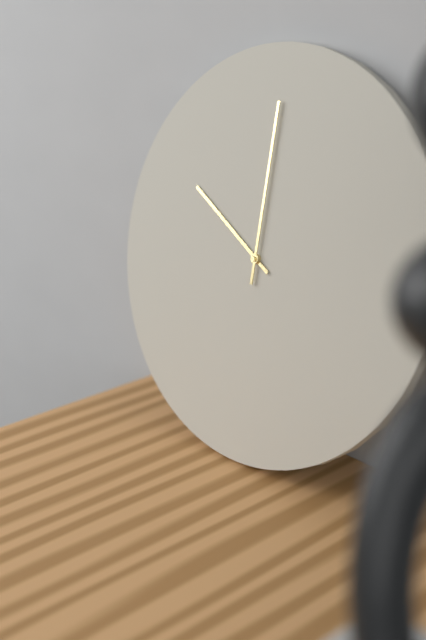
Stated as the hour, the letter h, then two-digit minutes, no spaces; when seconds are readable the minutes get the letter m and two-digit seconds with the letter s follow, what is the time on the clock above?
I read 10h00
